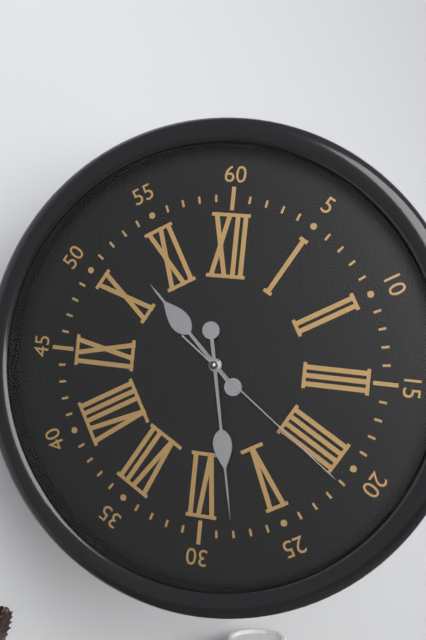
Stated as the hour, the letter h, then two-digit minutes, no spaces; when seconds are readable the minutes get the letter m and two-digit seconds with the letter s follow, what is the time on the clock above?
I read 10h28m21s
